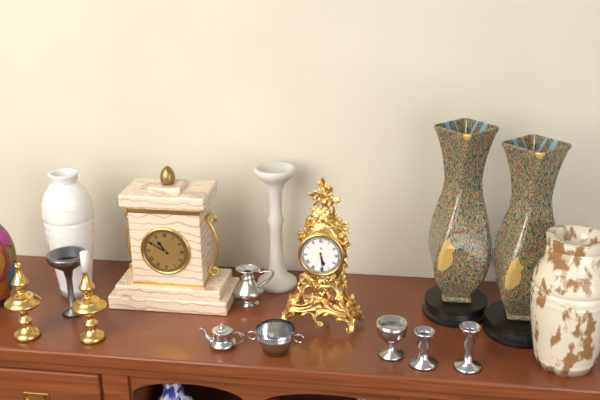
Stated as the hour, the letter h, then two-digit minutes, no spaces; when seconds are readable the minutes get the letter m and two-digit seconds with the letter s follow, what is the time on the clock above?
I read 5h29
